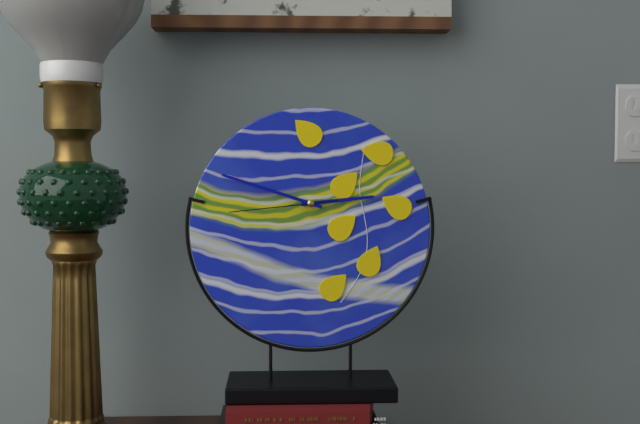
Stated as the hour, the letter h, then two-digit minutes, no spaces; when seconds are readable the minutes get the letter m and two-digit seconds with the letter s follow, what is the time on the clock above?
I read 2h48m44s
